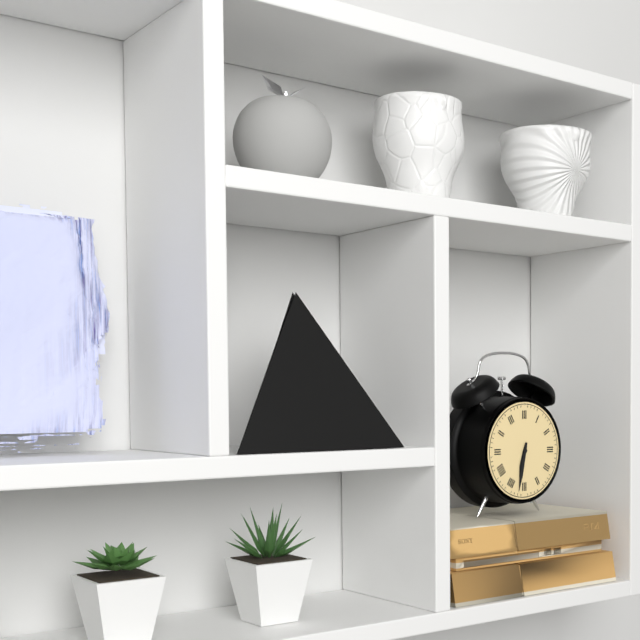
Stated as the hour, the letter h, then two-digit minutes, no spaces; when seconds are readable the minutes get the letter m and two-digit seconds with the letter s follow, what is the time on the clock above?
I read 6h32
